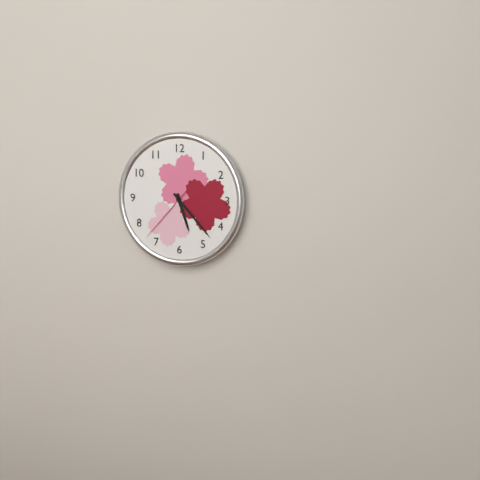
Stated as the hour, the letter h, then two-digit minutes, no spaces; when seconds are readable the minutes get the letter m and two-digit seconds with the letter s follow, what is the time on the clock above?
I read 5h23m37s
